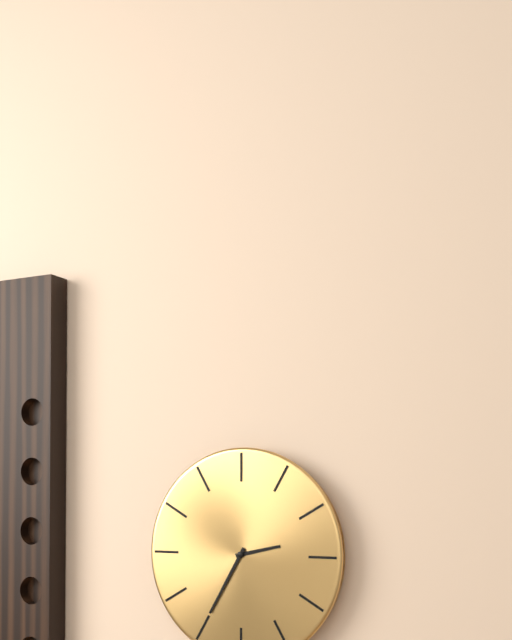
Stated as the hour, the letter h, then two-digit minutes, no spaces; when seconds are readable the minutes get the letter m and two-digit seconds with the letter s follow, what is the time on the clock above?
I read 2h35
